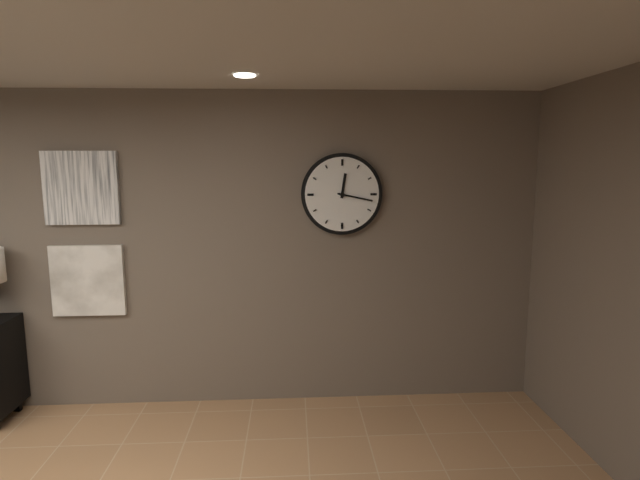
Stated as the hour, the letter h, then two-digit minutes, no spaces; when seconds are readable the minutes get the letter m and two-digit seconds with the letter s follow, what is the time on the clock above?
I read 12h17
